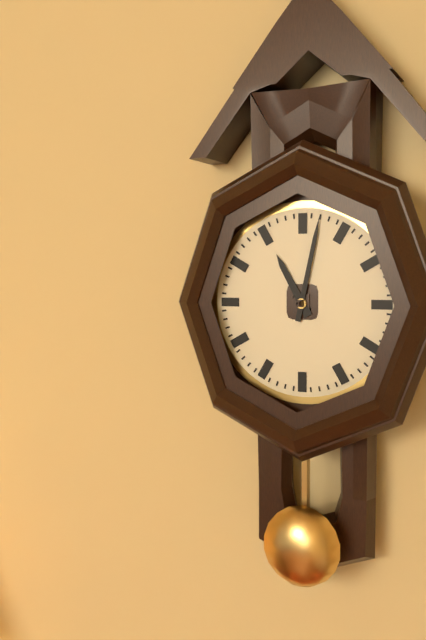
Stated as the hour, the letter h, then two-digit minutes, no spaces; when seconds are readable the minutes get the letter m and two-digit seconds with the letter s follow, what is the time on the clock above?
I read 11h02
